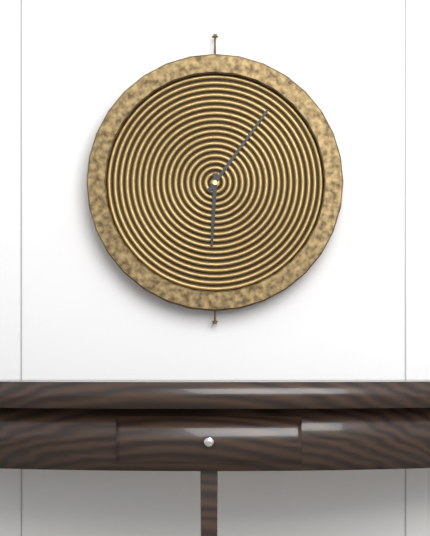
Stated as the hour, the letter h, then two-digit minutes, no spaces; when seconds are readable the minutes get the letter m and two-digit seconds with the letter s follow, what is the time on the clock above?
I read 6h06
